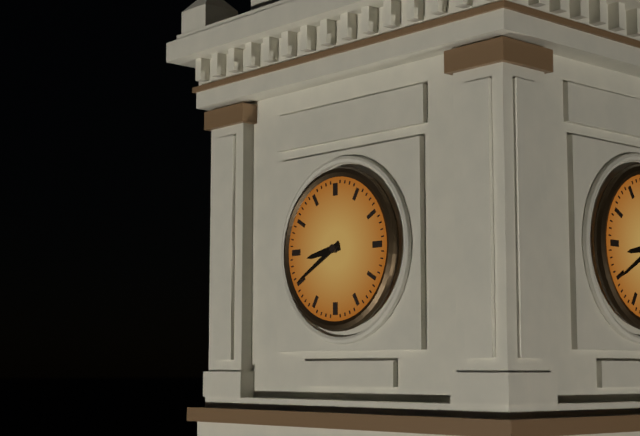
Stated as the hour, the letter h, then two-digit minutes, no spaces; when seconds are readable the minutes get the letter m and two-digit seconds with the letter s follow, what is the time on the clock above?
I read 8h40
